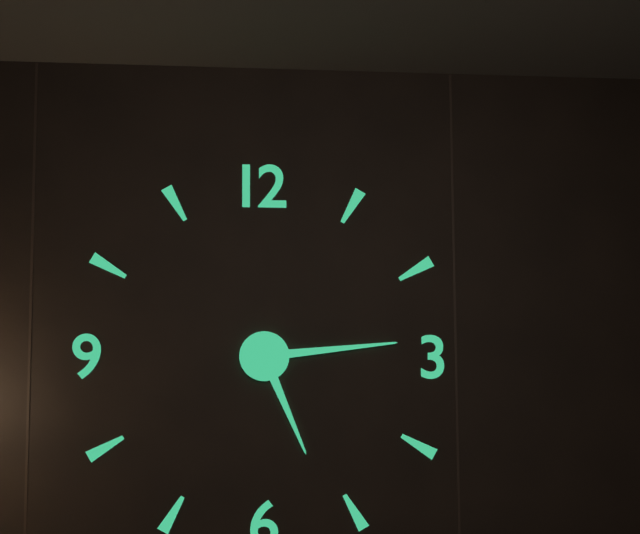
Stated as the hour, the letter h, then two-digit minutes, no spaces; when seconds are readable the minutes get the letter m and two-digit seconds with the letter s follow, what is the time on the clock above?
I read 5h14
